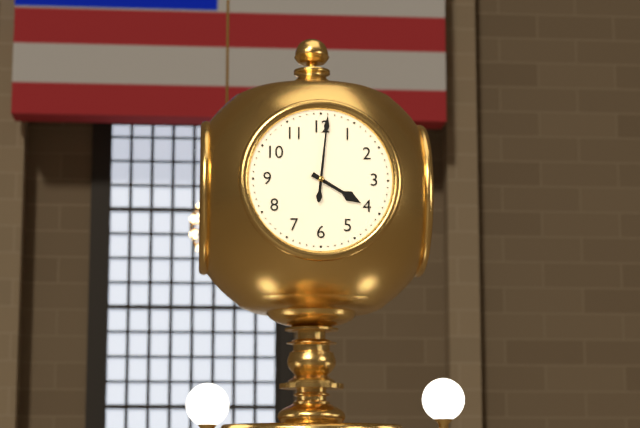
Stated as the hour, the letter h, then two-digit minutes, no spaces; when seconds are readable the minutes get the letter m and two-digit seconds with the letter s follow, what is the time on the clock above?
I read 4h01
